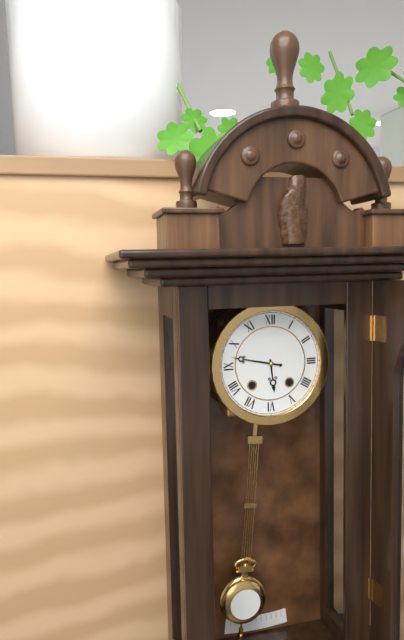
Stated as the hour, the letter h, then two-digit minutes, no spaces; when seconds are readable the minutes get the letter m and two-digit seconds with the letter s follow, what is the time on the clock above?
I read 5h47
